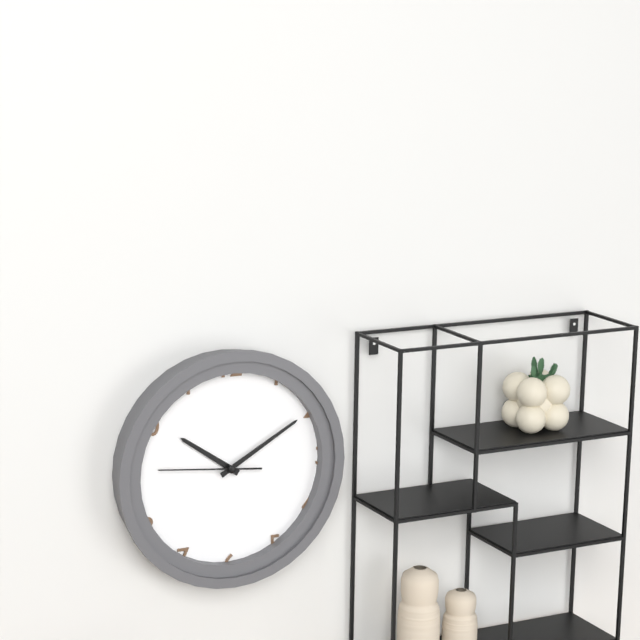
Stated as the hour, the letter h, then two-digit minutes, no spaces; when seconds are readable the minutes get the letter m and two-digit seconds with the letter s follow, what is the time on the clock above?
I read 10h10m46s
